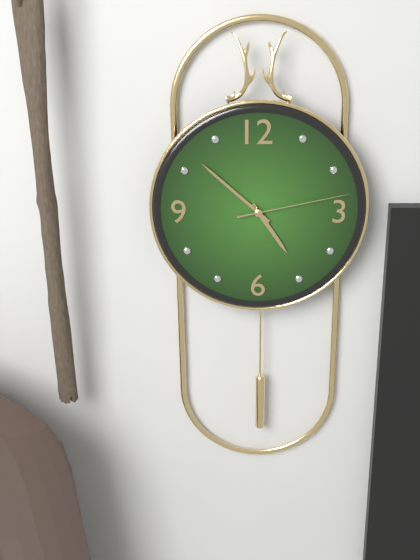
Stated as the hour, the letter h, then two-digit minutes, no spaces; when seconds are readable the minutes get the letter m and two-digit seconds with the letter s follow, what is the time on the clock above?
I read 4h52m13s
